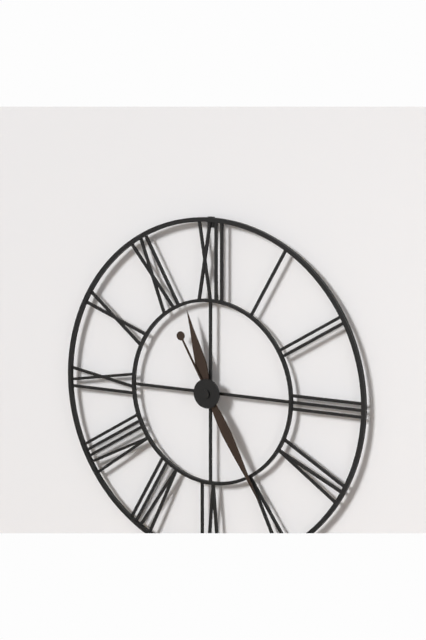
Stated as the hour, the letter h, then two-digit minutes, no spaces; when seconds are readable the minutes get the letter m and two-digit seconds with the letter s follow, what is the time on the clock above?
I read 11h25
